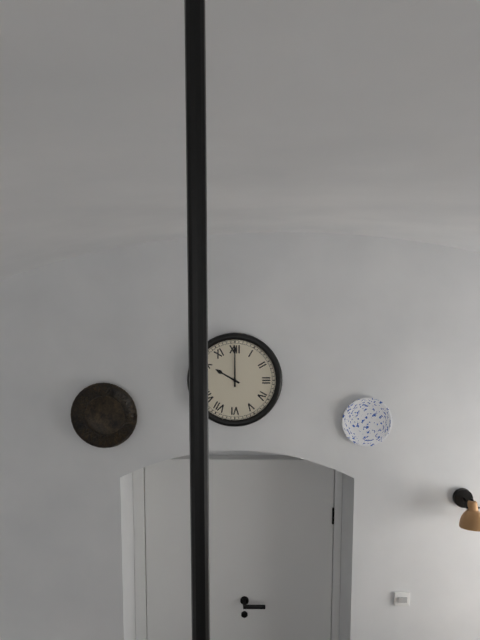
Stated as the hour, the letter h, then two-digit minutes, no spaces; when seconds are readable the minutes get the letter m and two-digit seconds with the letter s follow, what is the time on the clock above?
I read 10h00
